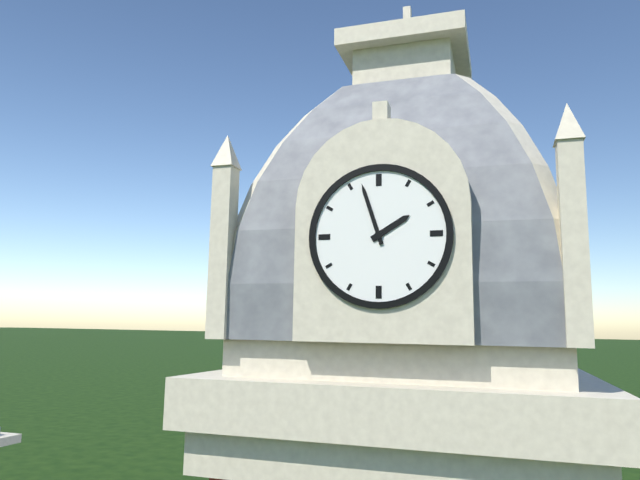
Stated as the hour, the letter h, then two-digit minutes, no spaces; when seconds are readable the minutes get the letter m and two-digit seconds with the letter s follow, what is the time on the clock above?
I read 1h57
